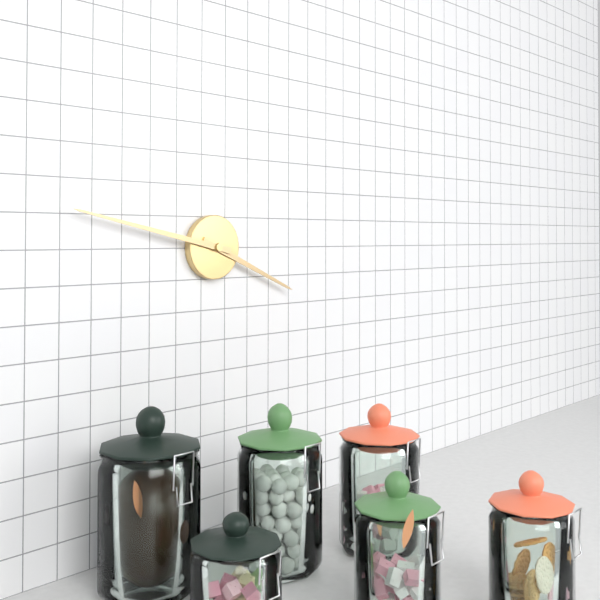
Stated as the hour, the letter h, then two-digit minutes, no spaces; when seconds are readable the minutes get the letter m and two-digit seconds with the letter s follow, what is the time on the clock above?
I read 3h47
